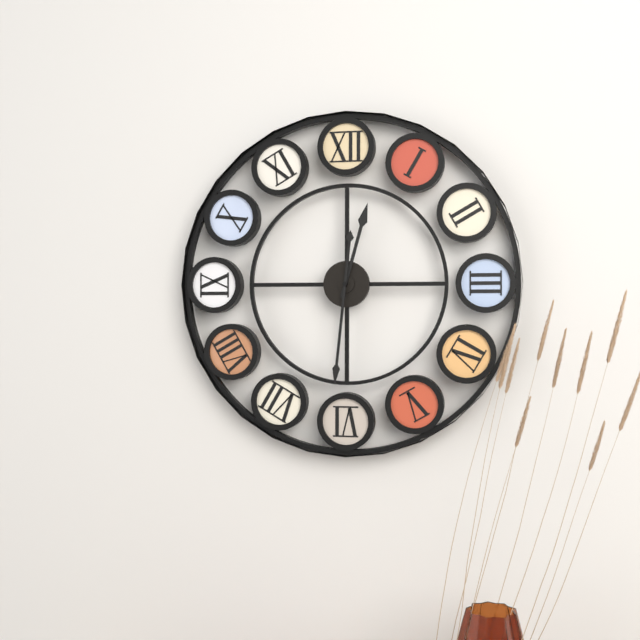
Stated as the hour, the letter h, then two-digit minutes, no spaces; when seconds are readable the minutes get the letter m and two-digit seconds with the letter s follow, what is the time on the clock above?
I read 12h31
